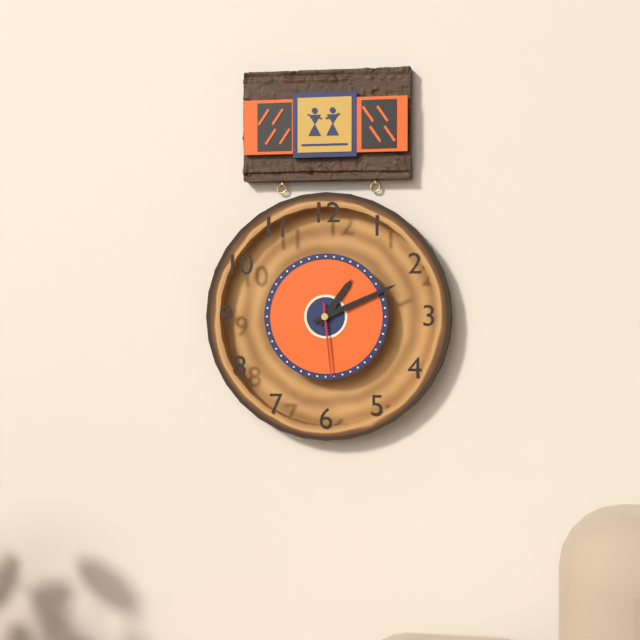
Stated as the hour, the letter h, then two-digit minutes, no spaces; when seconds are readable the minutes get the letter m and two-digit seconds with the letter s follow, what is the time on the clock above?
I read 1h11m29s
